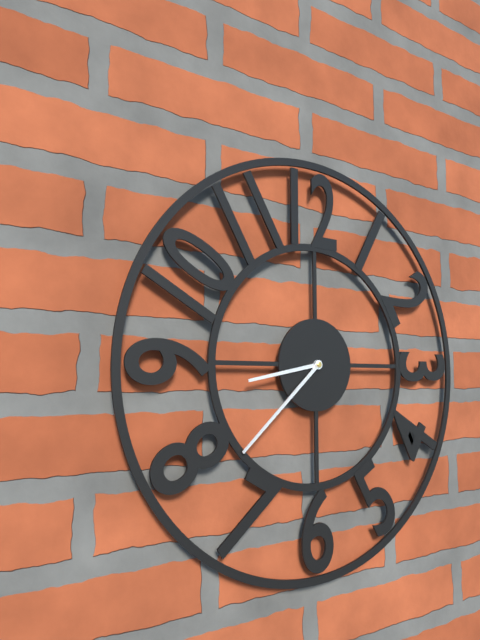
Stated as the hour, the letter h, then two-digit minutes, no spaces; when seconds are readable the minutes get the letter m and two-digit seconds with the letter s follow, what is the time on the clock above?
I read 8h38
